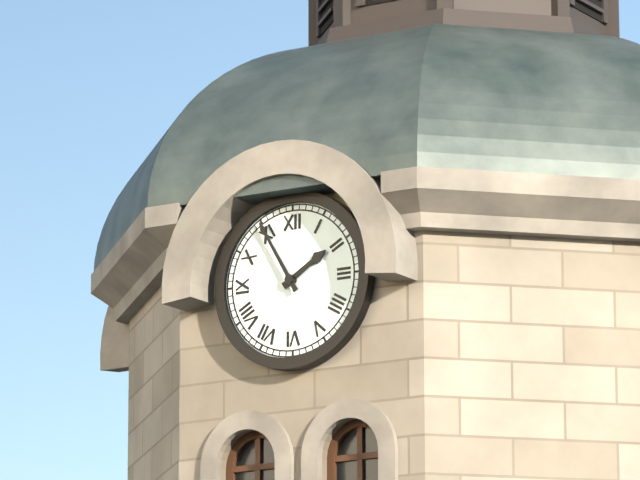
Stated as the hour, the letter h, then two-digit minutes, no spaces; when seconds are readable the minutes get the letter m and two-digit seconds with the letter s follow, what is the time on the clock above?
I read 1h55
